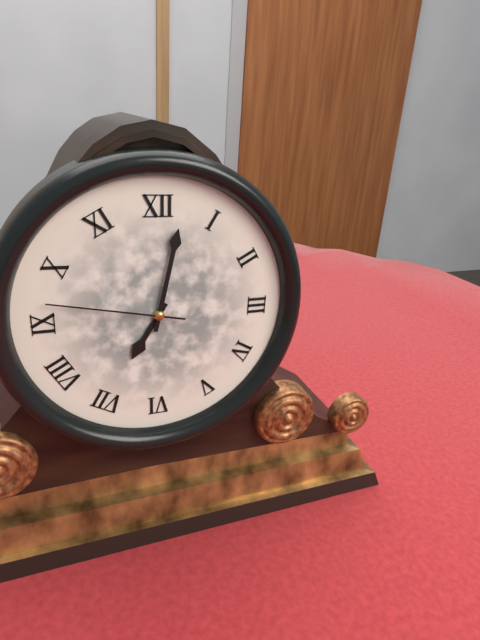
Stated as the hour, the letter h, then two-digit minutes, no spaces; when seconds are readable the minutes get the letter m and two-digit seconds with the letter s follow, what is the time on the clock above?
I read 7h02m47s
